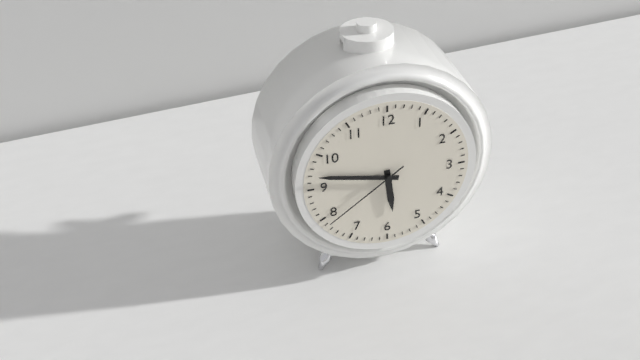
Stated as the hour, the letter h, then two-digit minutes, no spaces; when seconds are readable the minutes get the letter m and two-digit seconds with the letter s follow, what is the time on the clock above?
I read 5h47m39s
